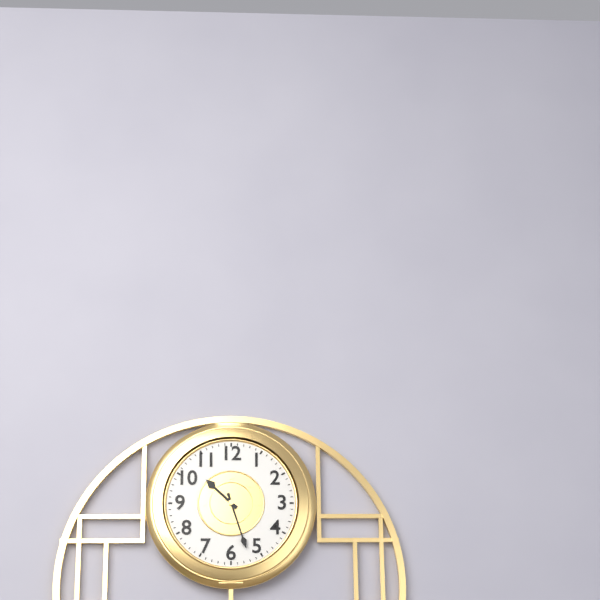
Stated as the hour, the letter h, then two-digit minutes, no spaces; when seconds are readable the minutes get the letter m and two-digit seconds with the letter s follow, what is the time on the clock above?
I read 10h27
